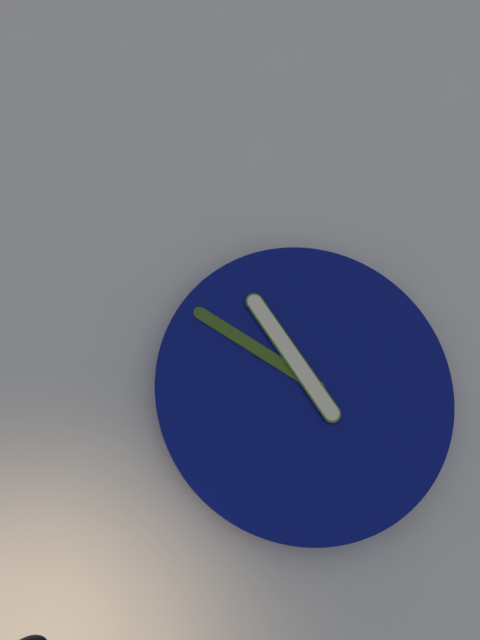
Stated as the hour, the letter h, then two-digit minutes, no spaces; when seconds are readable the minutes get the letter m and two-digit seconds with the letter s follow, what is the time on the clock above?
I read 10h50
